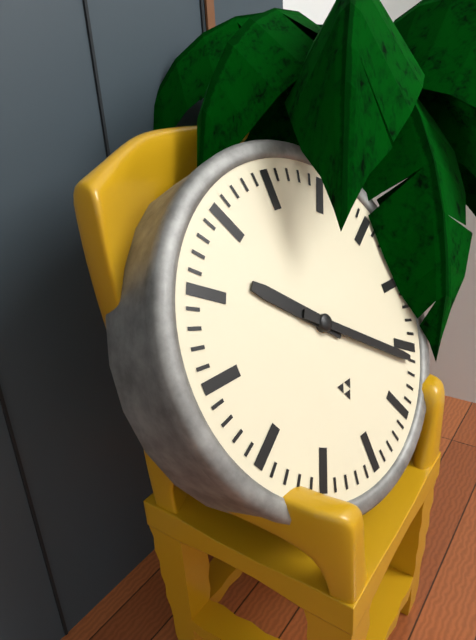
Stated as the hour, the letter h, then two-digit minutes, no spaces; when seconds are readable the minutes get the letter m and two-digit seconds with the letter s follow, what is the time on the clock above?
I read 10h21
